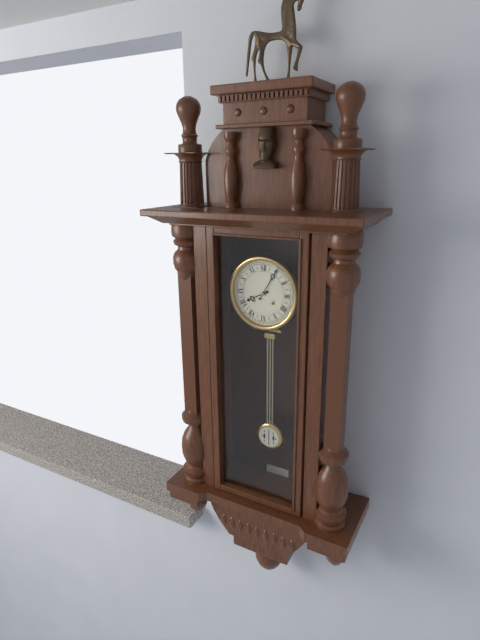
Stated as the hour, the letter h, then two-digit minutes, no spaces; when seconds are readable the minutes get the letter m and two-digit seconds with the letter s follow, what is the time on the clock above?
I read 8h05
